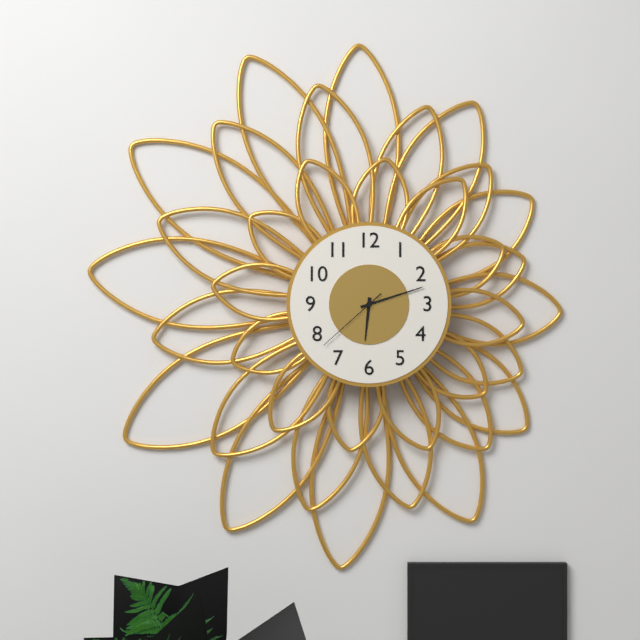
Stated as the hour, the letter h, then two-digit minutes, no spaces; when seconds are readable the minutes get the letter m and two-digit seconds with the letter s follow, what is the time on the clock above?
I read 6h12m38s
